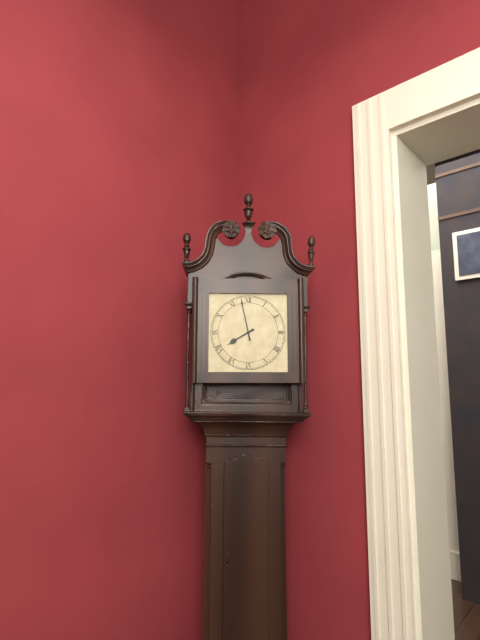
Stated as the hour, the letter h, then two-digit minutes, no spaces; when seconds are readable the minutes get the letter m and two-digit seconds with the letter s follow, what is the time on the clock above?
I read 7h58
